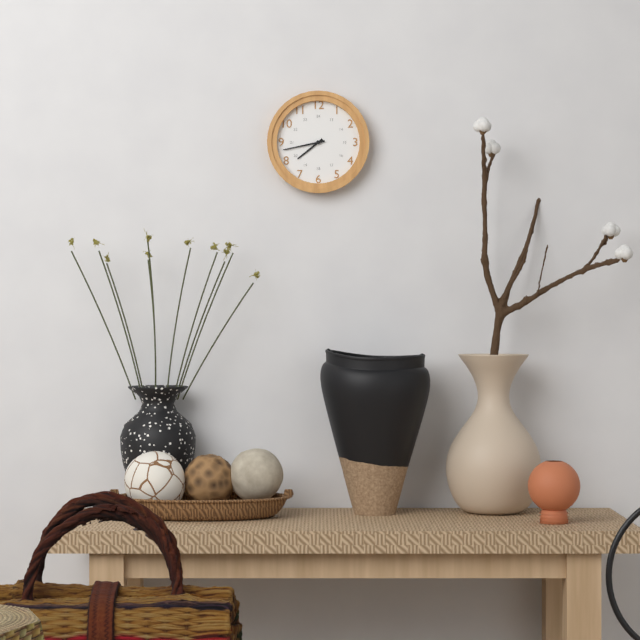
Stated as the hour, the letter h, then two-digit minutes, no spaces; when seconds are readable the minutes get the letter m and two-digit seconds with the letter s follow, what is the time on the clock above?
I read 7h43
